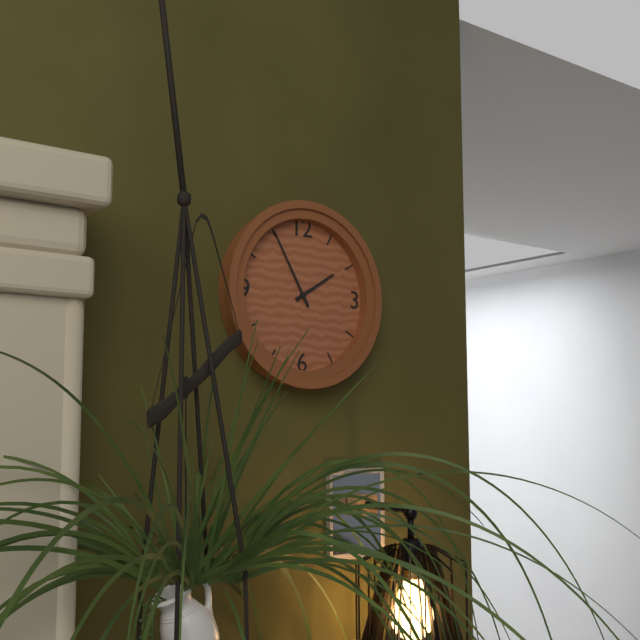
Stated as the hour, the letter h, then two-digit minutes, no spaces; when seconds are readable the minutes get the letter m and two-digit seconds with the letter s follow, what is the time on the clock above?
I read 1h55
